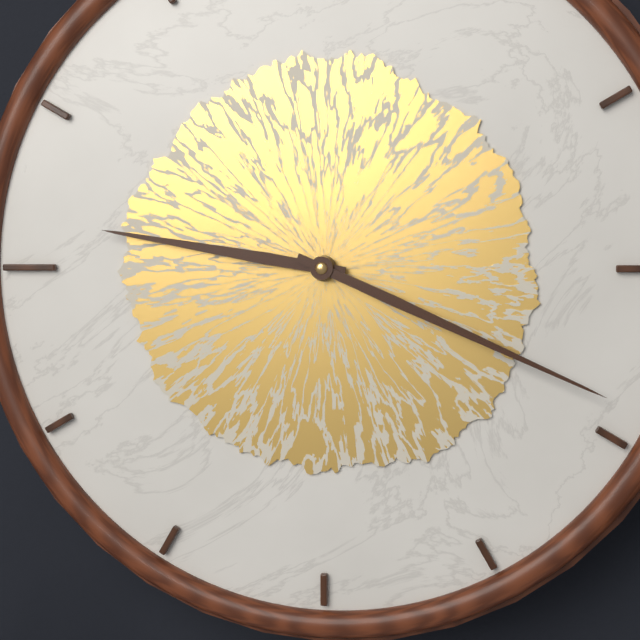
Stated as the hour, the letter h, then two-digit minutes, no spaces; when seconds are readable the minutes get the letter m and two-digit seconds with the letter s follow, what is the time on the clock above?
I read 9h19
